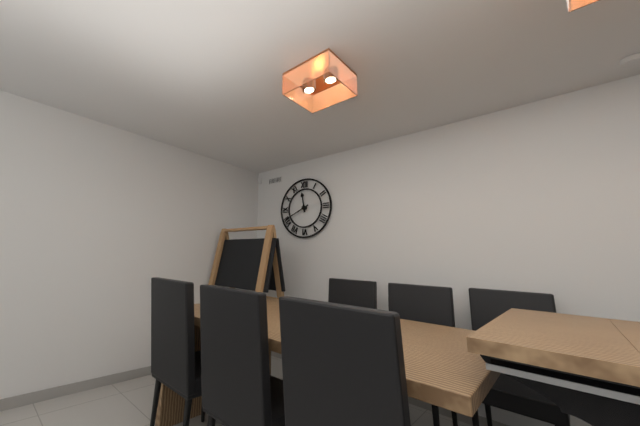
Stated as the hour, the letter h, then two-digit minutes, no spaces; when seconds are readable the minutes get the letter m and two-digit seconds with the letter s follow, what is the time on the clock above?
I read 11h41
